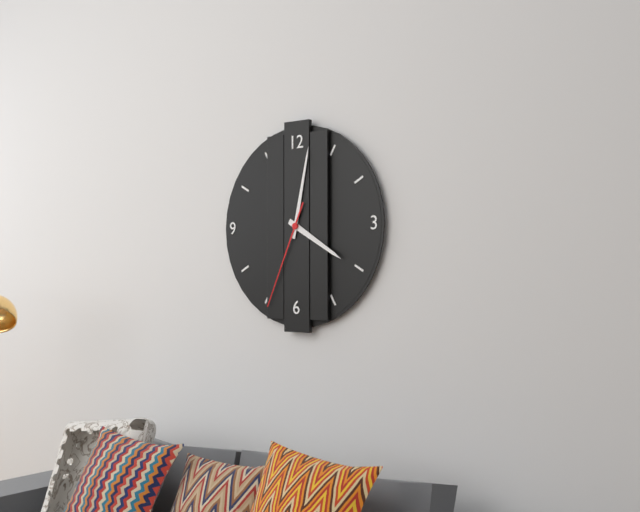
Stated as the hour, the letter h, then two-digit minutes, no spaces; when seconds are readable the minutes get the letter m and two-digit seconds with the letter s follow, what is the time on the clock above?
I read 4h02m34s
